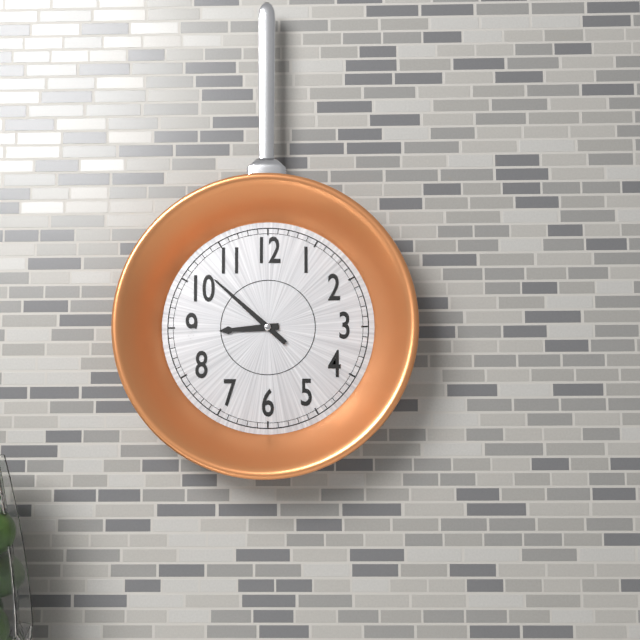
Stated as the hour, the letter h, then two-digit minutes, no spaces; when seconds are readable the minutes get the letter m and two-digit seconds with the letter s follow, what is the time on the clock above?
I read 8h52
